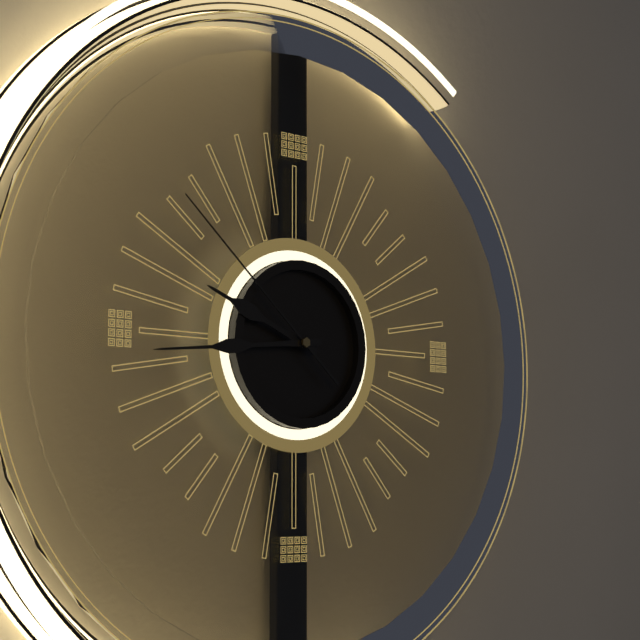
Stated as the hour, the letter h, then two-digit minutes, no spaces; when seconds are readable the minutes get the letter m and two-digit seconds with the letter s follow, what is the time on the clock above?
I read 9h44m52s
